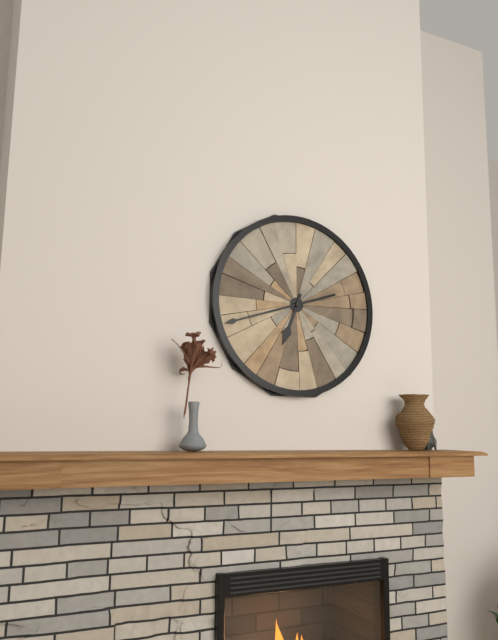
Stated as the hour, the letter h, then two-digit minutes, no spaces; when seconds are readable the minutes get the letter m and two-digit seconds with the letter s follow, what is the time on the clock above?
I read 6h42
